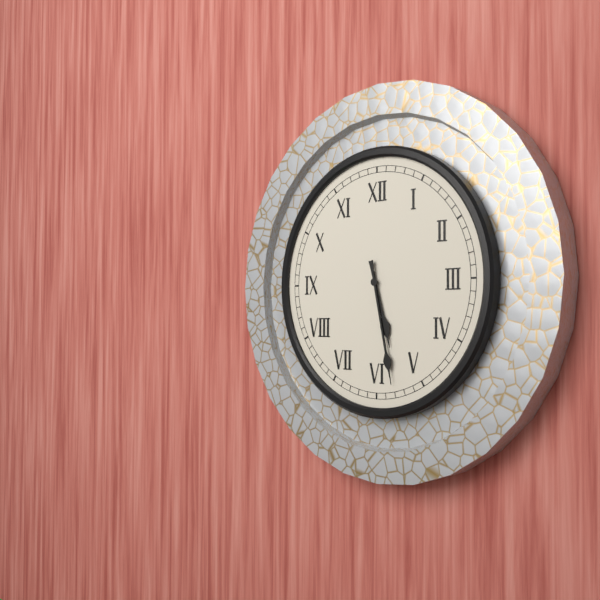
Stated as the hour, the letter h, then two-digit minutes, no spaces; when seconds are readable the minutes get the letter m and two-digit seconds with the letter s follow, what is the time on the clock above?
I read 5h28
